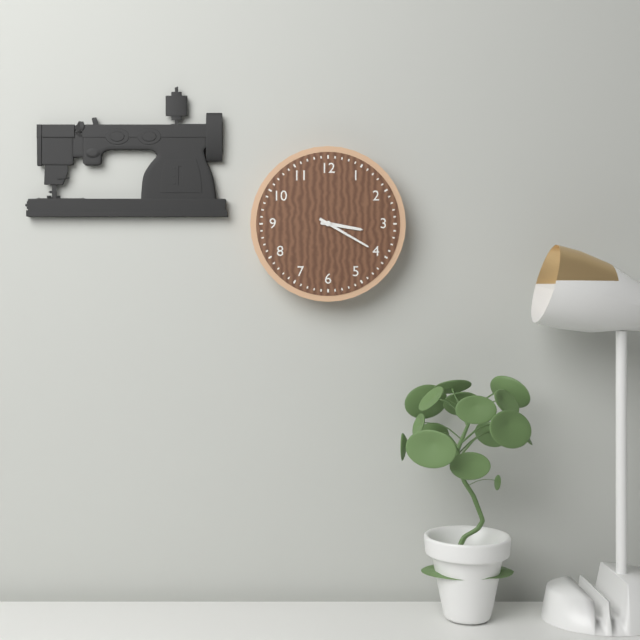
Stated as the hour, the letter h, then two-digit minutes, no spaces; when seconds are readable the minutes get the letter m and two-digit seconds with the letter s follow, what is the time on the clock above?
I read 3h20
